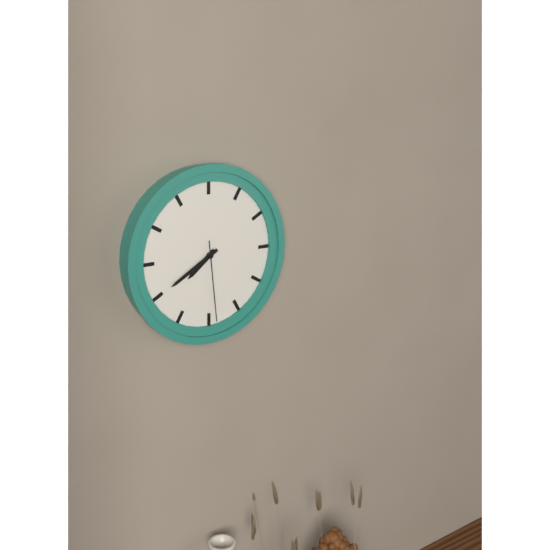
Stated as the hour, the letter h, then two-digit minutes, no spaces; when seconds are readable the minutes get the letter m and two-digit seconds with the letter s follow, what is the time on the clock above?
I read 7h40m29s
